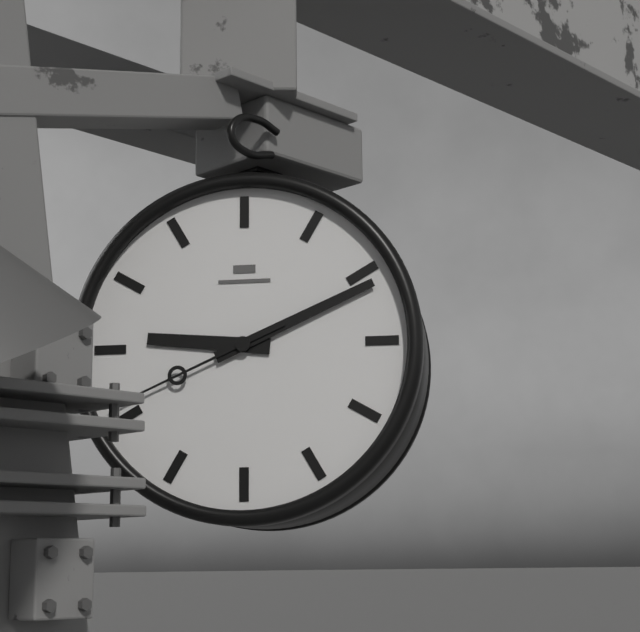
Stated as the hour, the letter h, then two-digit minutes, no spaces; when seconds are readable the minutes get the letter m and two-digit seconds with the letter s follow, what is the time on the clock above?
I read 9h11m41s
